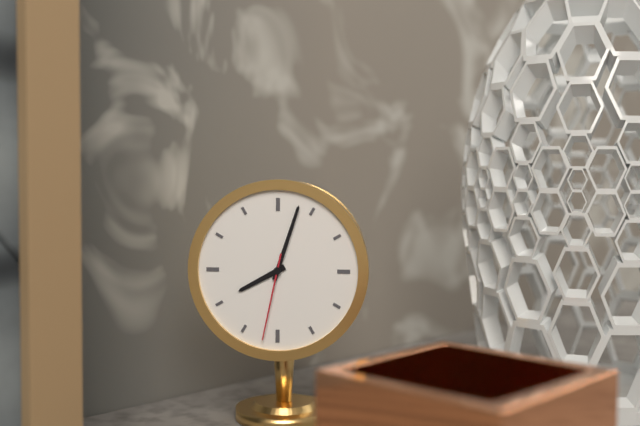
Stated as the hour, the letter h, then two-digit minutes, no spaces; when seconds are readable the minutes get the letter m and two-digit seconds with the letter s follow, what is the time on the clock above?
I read 8h03m32s
